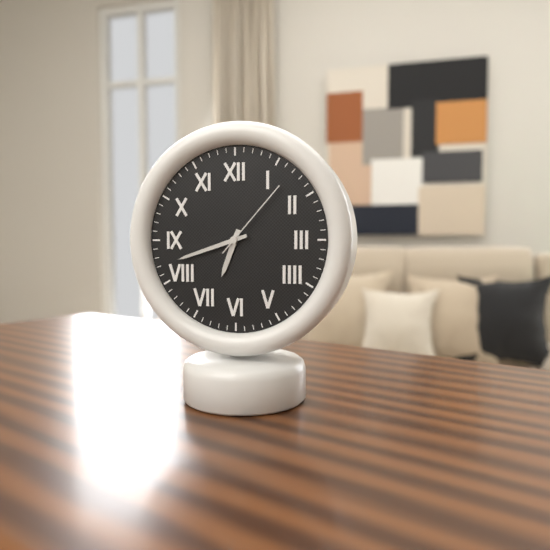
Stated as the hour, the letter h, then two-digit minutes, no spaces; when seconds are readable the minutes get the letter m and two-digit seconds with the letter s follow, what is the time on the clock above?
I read 6h42m07s
